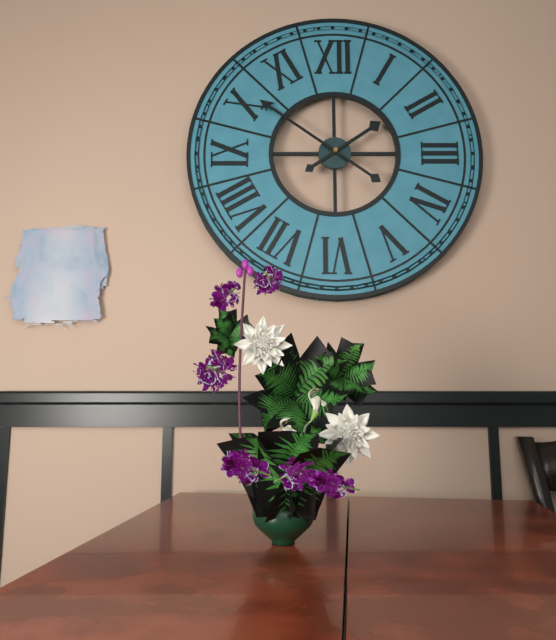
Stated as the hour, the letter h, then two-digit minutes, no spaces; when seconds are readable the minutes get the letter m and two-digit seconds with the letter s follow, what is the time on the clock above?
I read 1h51
